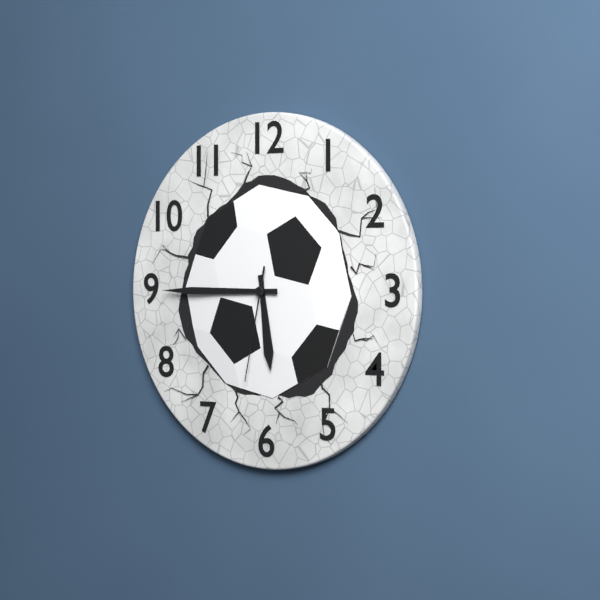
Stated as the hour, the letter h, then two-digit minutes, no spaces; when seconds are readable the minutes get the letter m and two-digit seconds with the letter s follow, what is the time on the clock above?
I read 5h45m32s
